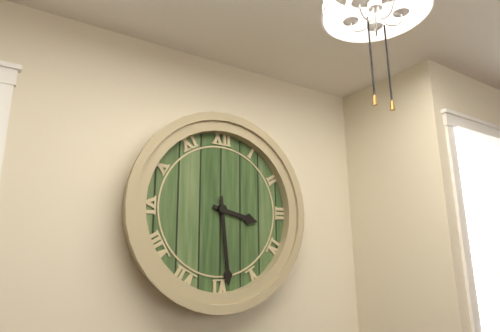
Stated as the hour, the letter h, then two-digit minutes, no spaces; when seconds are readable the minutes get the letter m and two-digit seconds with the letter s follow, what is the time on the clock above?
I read 3h29
